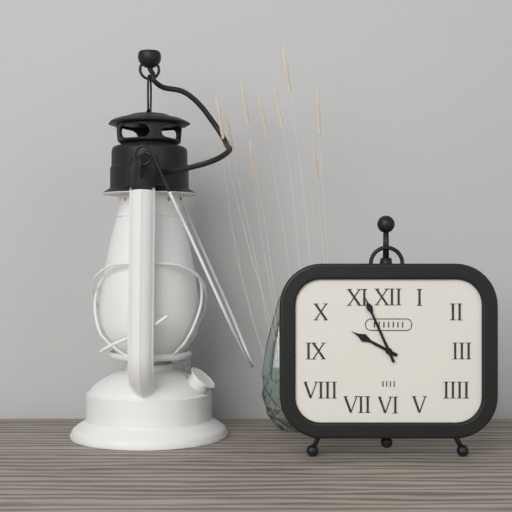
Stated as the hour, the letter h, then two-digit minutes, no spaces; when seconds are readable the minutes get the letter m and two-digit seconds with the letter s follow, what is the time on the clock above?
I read 9h56
